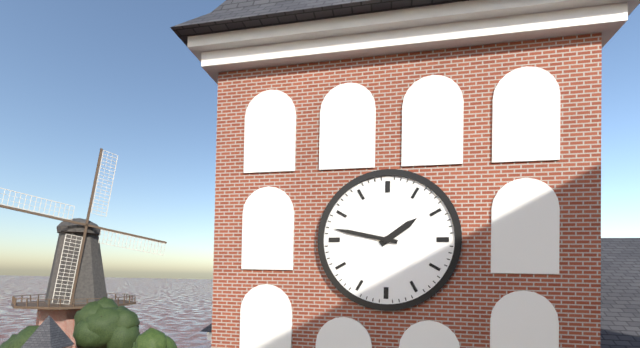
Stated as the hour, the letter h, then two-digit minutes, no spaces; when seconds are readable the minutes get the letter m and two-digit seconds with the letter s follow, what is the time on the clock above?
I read 1h47
